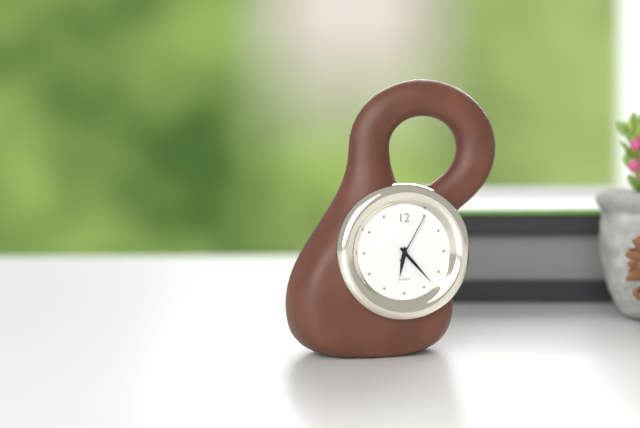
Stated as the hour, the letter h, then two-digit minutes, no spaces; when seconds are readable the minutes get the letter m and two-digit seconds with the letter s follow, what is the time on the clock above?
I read 6h23m05s
